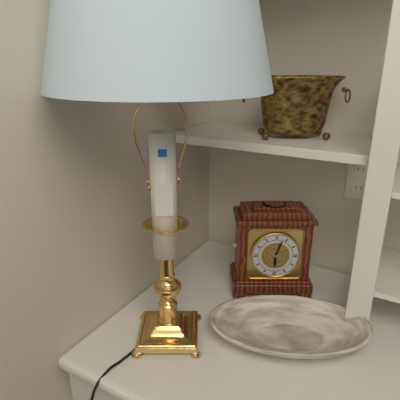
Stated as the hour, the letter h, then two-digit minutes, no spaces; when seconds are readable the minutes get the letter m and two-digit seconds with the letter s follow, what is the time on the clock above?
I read 6h03
